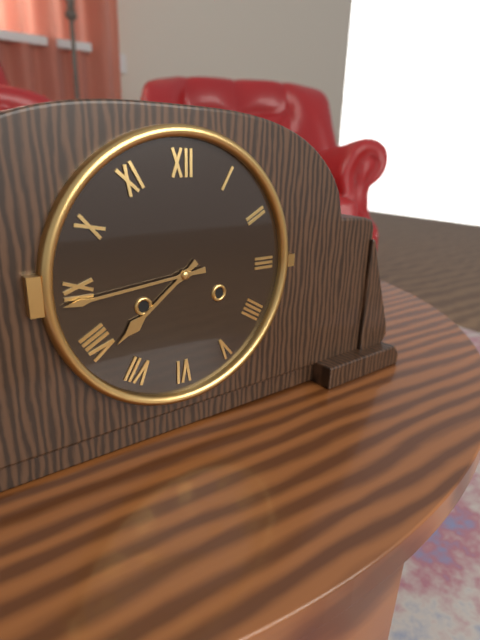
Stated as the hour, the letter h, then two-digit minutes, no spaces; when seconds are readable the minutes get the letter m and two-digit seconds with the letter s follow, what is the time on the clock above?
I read 7h44
